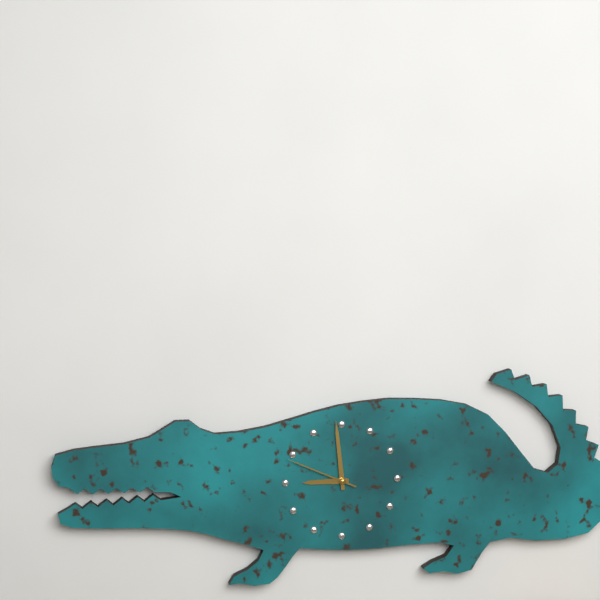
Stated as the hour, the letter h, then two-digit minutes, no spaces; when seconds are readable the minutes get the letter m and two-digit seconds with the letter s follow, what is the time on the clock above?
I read 8h59m49s
